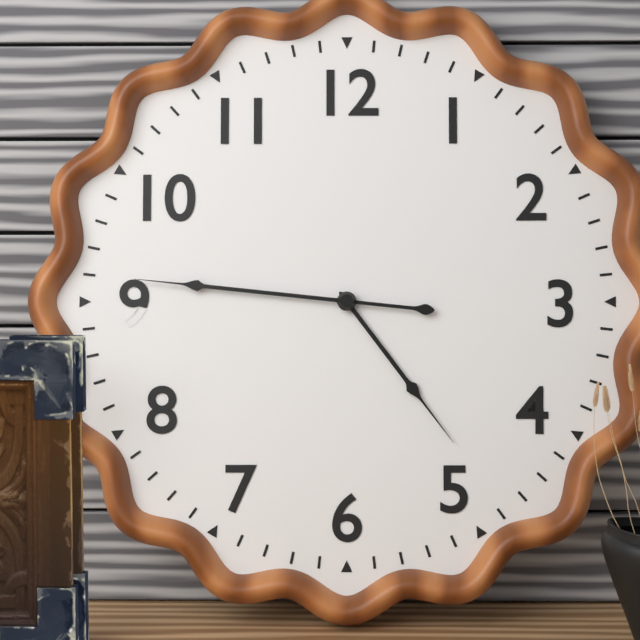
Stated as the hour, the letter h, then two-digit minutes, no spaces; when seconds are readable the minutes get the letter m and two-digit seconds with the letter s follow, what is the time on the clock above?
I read 4h46
